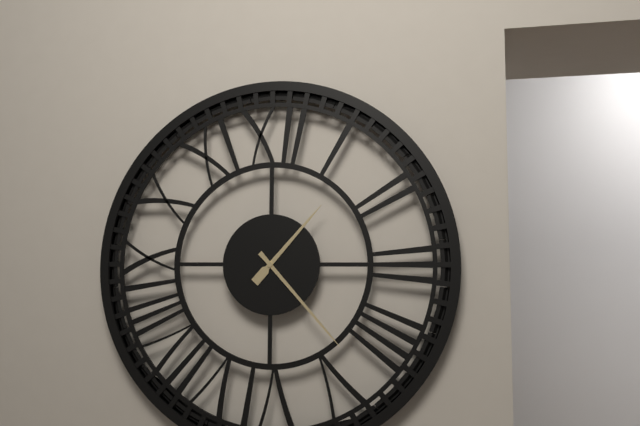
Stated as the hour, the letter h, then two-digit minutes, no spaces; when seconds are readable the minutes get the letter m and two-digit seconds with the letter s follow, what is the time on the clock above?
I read 1h23
